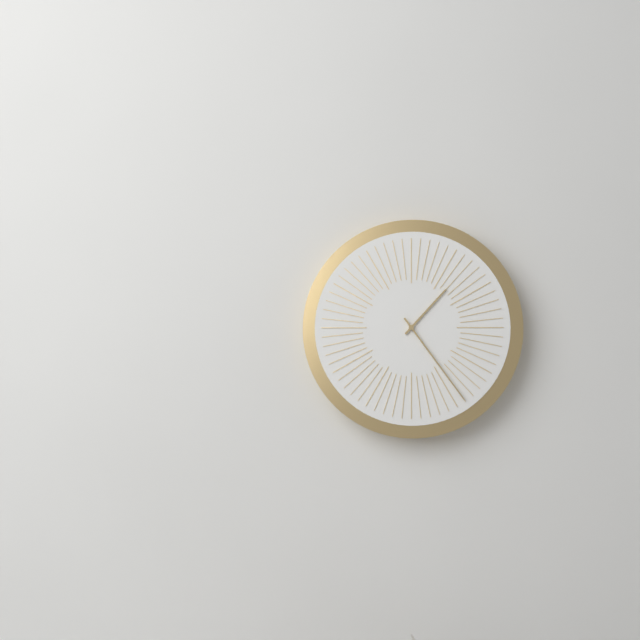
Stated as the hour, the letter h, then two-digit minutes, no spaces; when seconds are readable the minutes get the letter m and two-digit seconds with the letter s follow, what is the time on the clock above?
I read 1h24
